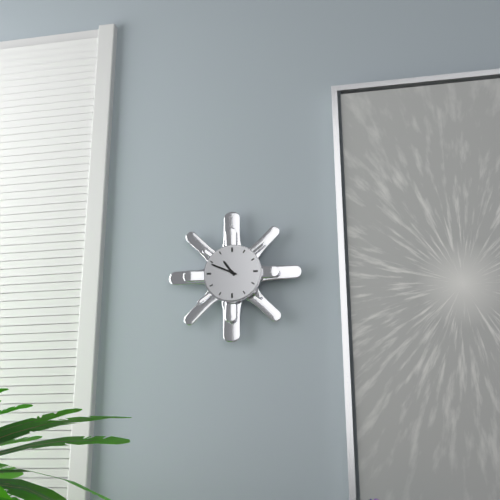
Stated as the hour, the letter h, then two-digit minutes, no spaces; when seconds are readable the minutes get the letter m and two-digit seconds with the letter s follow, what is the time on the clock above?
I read 10h49
